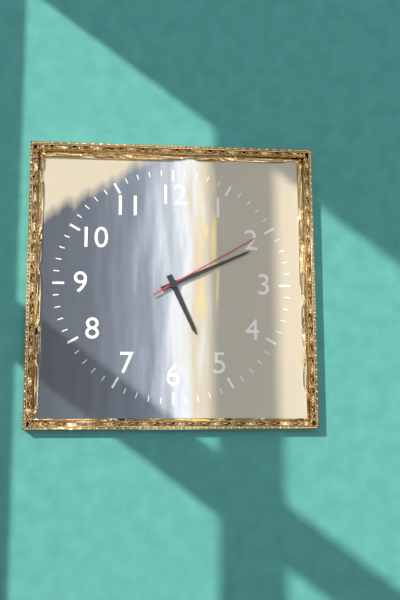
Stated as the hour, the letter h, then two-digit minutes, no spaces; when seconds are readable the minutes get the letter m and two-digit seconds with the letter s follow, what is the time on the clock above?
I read 5h11m10s
